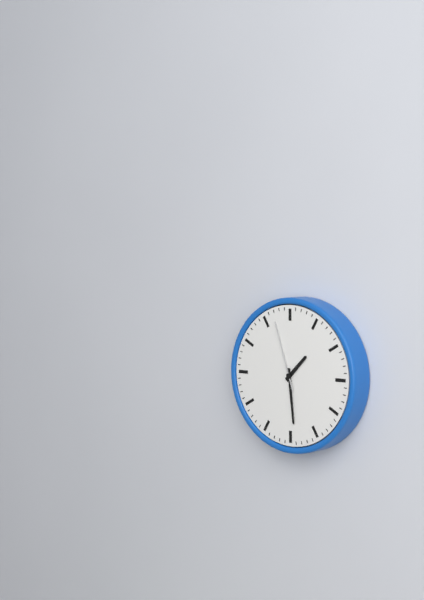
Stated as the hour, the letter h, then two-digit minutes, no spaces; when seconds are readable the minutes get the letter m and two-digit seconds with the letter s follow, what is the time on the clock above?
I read 1h29m57s
